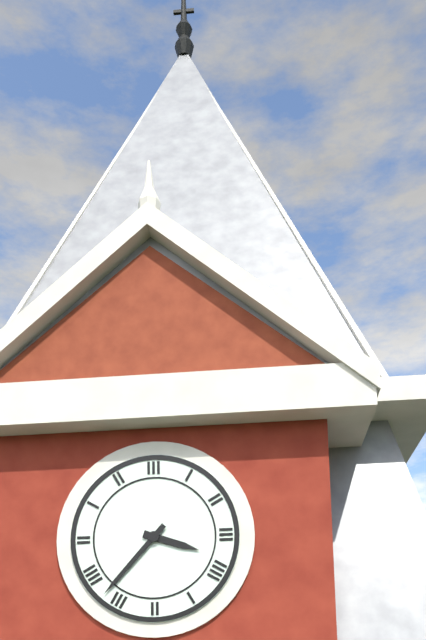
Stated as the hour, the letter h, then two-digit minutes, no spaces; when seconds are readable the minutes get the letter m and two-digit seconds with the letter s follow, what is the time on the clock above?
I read 3h37
